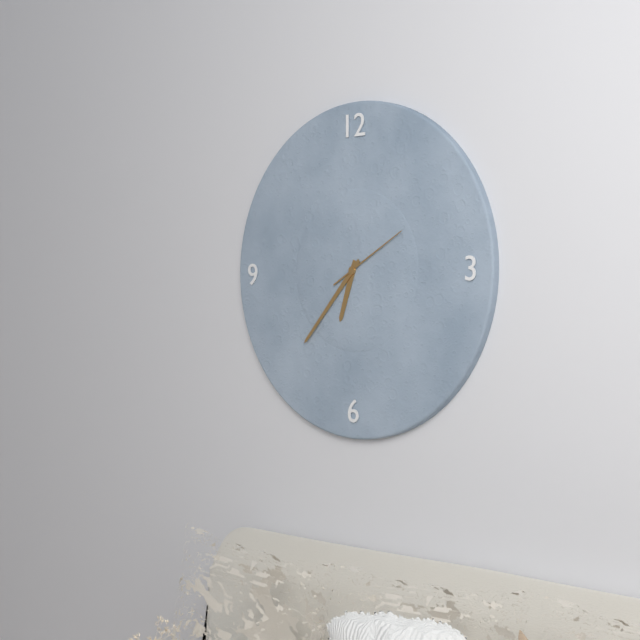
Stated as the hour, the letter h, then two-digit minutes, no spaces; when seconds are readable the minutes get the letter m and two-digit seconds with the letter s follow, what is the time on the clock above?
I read 6h37m10s
